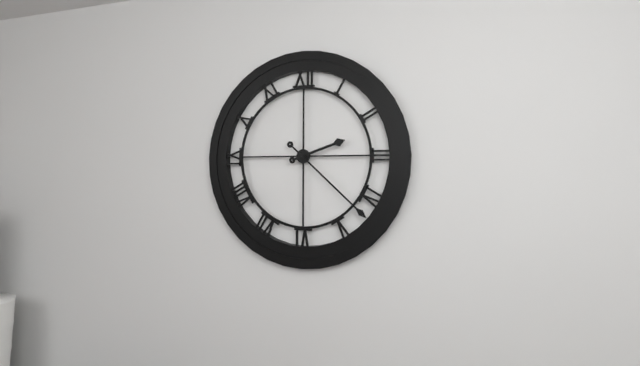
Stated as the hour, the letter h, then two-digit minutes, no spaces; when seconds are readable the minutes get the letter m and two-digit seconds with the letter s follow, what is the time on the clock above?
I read 2h22
